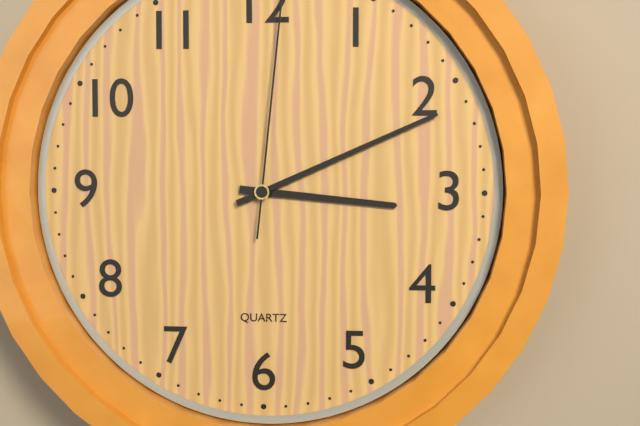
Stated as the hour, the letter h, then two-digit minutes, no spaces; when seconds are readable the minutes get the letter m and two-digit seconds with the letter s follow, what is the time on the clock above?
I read 3h11
